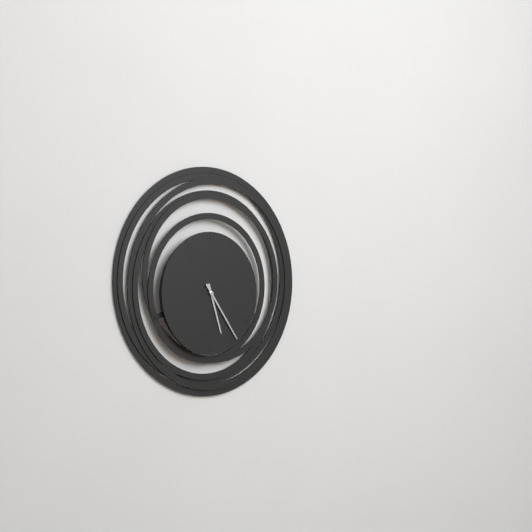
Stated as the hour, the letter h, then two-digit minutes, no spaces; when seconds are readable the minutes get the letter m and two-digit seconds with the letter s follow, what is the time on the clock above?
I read 5h24
